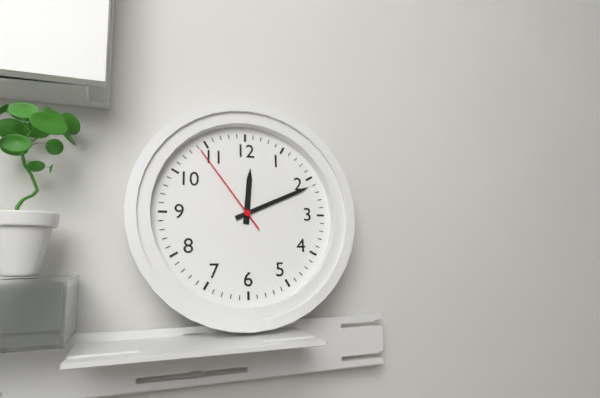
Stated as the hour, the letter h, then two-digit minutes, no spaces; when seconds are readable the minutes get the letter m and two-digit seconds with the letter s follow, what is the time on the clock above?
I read 12h11m54s
